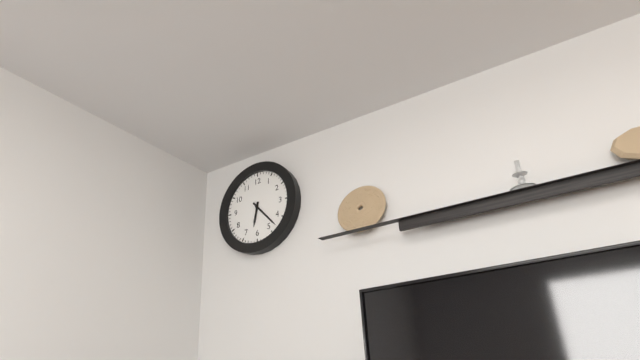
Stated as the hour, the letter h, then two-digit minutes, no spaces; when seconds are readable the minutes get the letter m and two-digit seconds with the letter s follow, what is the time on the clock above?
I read 6h23
